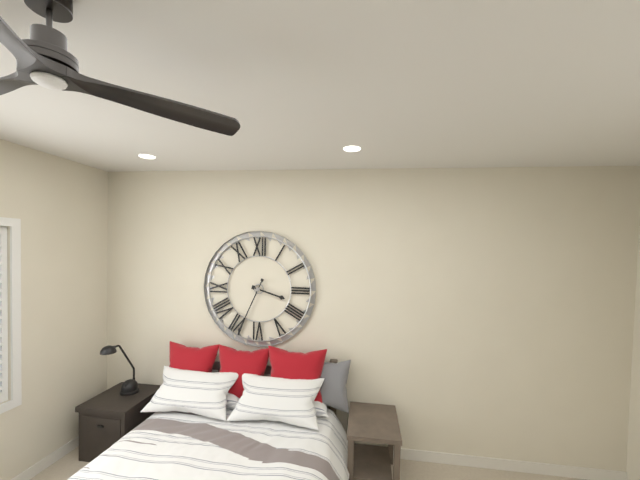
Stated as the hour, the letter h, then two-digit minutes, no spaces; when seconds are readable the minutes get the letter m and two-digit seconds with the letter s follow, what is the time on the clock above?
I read 3h34
